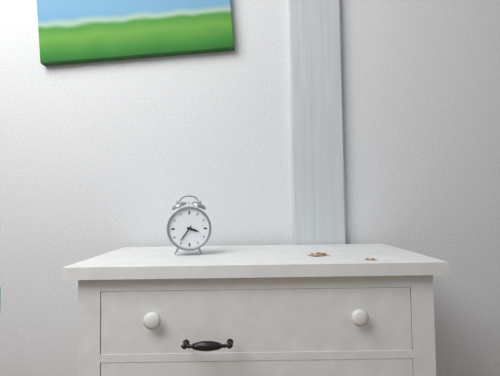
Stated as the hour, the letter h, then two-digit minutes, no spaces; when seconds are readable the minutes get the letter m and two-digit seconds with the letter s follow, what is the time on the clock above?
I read 3h36
